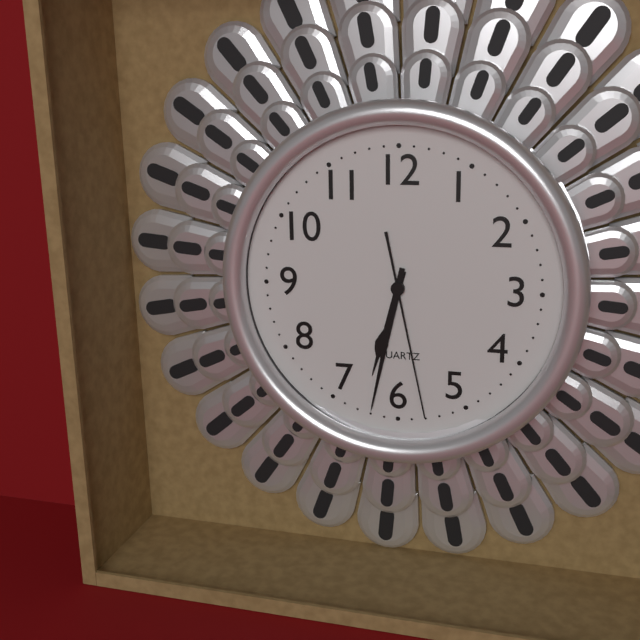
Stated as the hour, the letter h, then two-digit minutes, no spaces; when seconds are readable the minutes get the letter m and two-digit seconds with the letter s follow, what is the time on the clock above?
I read 6h32m28s
